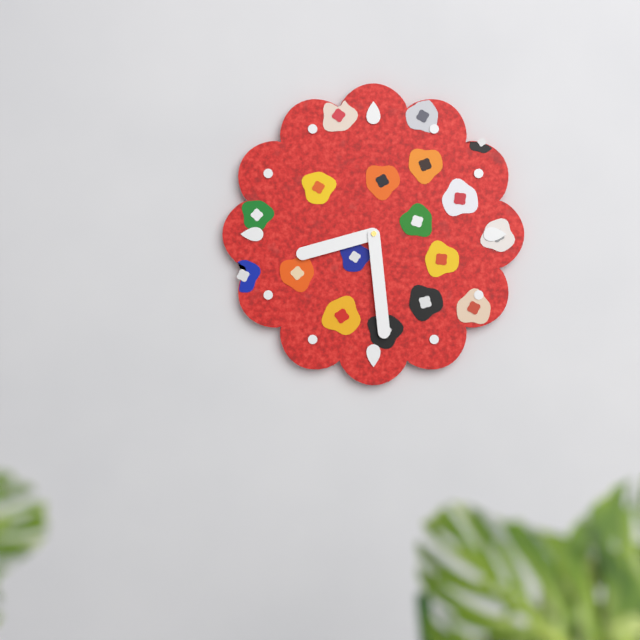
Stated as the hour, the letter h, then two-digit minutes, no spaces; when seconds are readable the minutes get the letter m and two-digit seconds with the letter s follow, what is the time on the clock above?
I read 8h29
